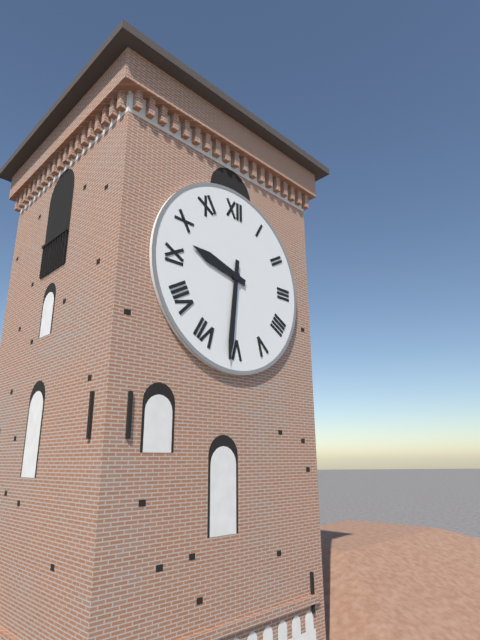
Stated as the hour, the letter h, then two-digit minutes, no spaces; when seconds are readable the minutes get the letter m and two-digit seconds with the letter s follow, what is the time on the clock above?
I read 9h31
